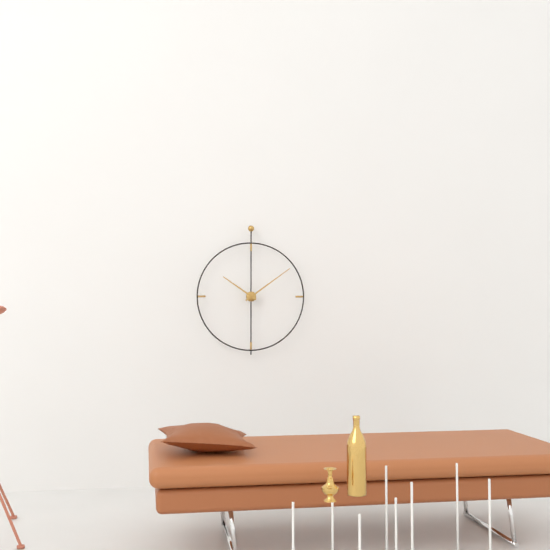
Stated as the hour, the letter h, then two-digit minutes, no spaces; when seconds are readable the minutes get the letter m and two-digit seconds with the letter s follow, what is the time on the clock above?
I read 10h09
